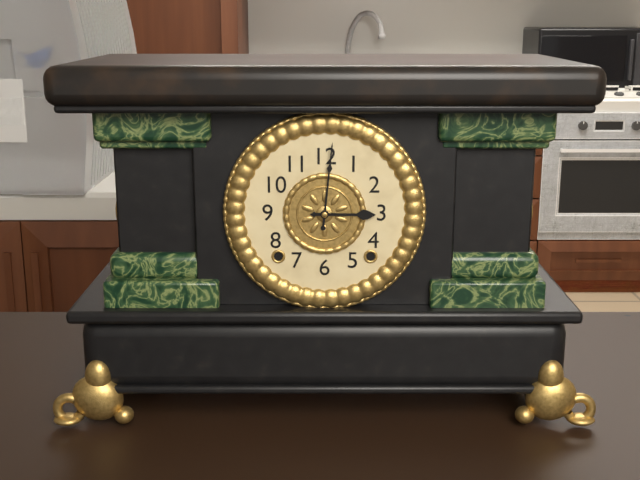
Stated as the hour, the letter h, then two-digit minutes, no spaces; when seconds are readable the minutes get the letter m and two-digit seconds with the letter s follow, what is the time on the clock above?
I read 3h01
